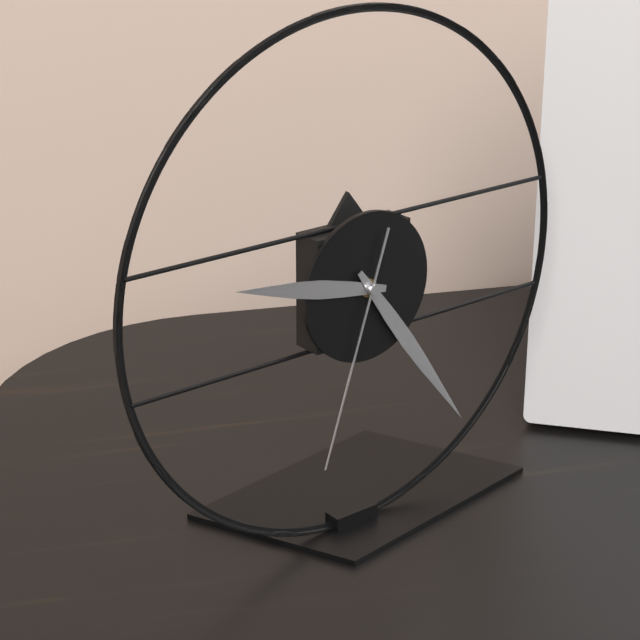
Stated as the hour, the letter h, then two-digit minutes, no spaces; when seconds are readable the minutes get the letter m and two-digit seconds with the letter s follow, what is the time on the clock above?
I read 9h24m33s
